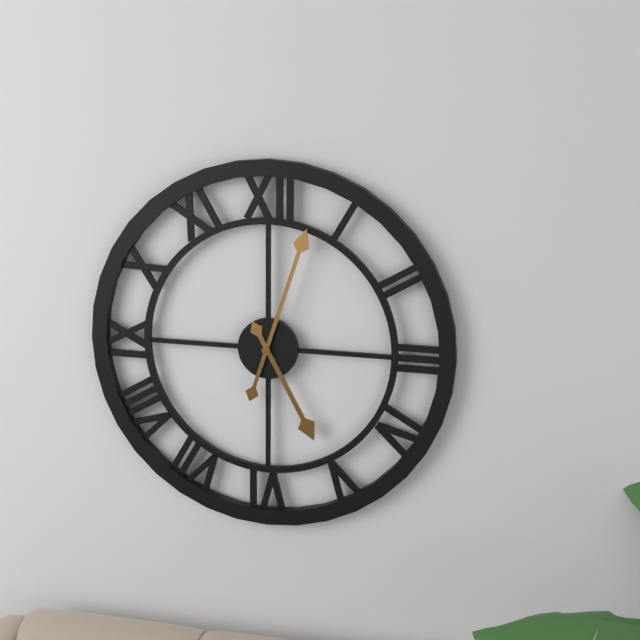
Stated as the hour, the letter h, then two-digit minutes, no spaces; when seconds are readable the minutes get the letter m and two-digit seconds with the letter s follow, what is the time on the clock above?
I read 5h03
